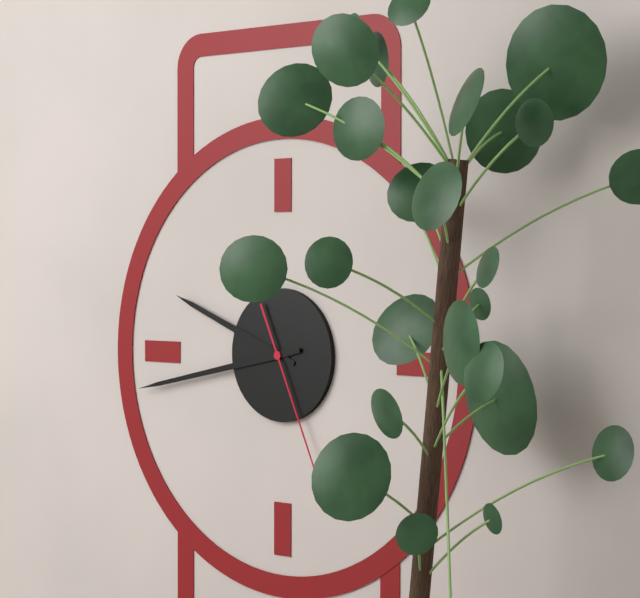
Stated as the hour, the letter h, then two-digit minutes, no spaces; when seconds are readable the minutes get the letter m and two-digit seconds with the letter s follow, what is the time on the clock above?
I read 9h43m26s
